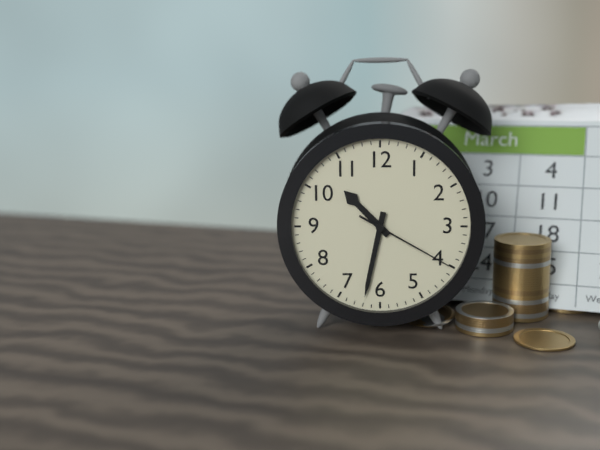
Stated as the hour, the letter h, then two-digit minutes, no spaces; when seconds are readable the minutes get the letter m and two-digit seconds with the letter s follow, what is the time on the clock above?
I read 10h32m20s
